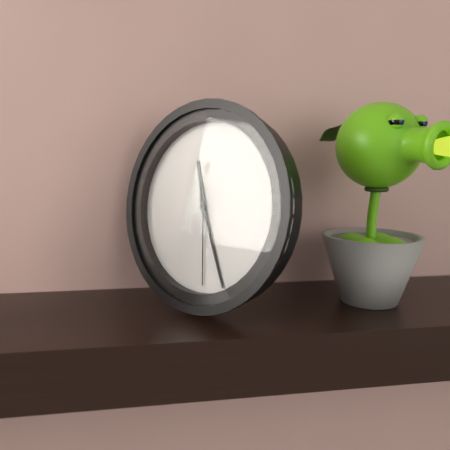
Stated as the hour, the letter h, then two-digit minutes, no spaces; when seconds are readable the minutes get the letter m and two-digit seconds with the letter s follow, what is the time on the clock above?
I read 11h26m29s
